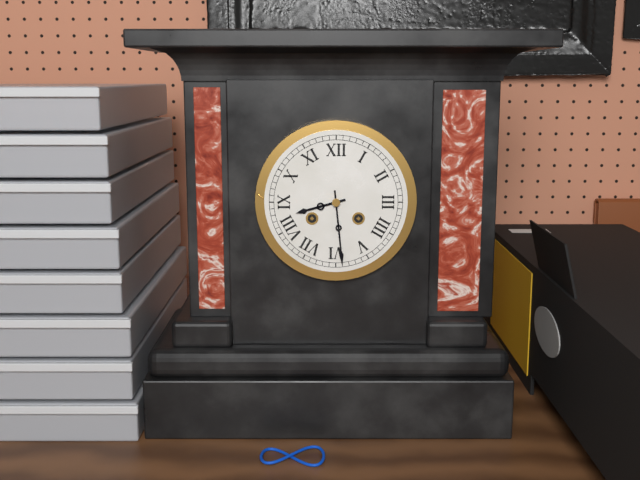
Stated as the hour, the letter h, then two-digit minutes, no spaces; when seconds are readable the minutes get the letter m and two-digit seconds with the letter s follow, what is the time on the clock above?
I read 8h29
